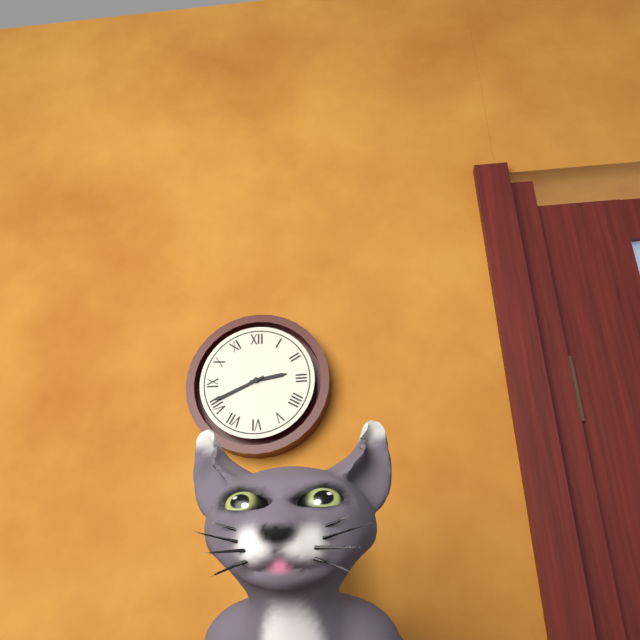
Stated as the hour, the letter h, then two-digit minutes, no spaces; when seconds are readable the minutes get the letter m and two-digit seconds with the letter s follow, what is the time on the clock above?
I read 2h41
